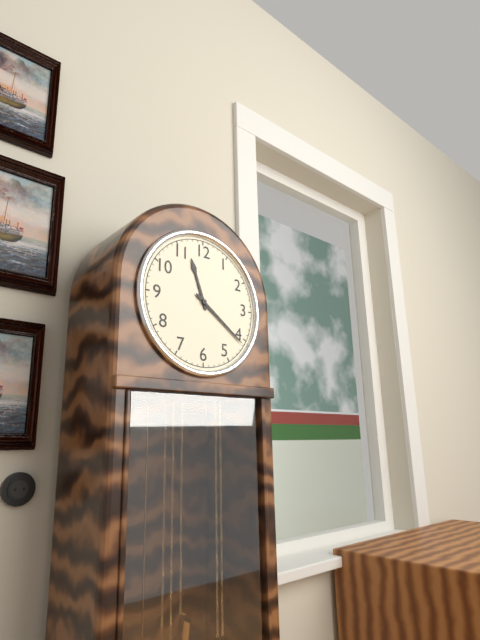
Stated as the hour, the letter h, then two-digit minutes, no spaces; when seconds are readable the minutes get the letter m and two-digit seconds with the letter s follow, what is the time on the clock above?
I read 11h21
